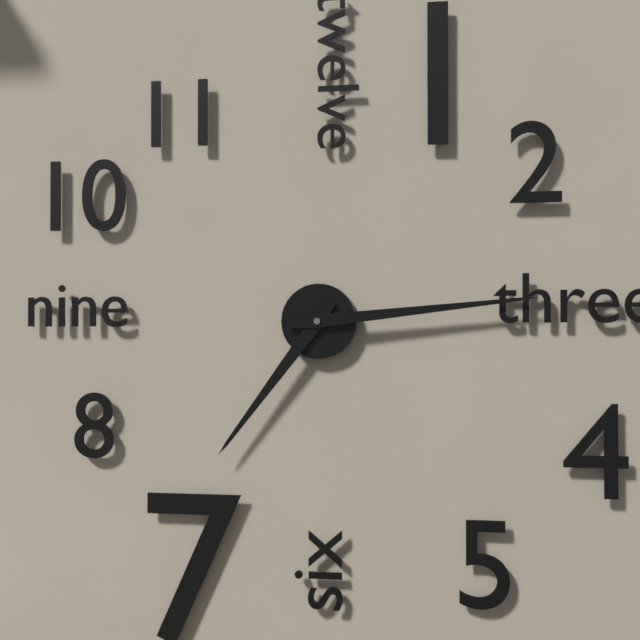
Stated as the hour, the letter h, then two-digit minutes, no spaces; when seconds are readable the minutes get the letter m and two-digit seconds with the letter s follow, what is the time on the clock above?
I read 7h14
